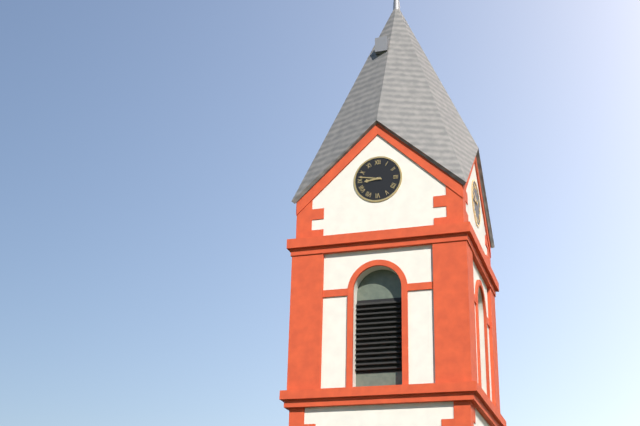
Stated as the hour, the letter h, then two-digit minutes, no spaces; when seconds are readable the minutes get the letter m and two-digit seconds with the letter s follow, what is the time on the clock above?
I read 8h47
